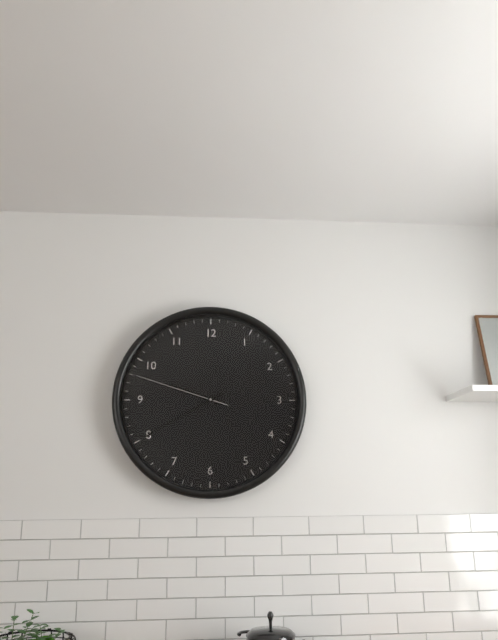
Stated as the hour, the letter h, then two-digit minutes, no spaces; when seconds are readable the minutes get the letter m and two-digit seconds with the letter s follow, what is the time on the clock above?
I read 9h40m48s
